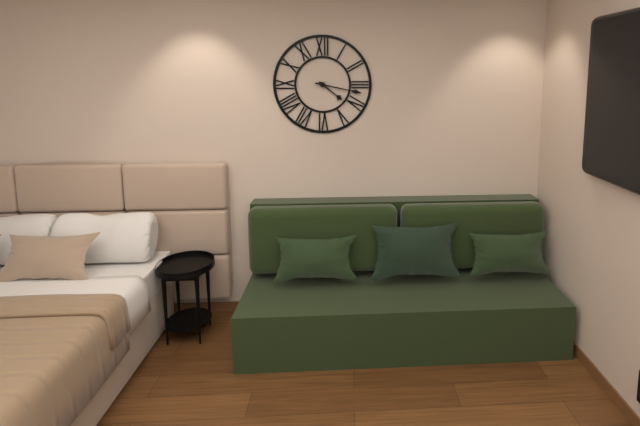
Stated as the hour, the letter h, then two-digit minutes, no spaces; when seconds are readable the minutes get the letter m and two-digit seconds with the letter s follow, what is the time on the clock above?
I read 4h17
